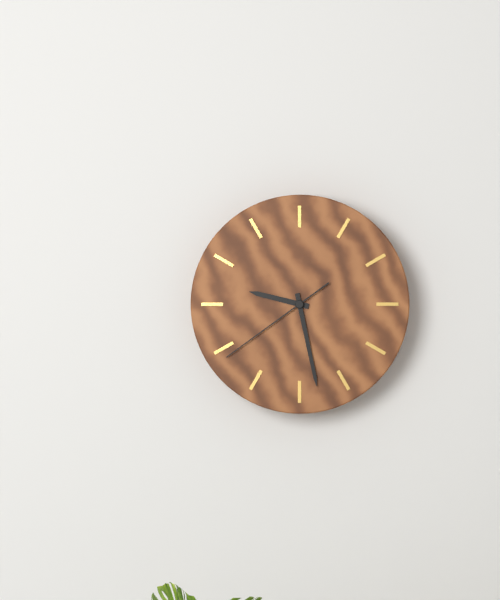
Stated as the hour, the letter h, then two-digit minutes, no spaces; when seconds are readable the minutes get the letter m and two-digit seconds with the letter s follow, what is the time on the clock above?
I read 9h28m39s
